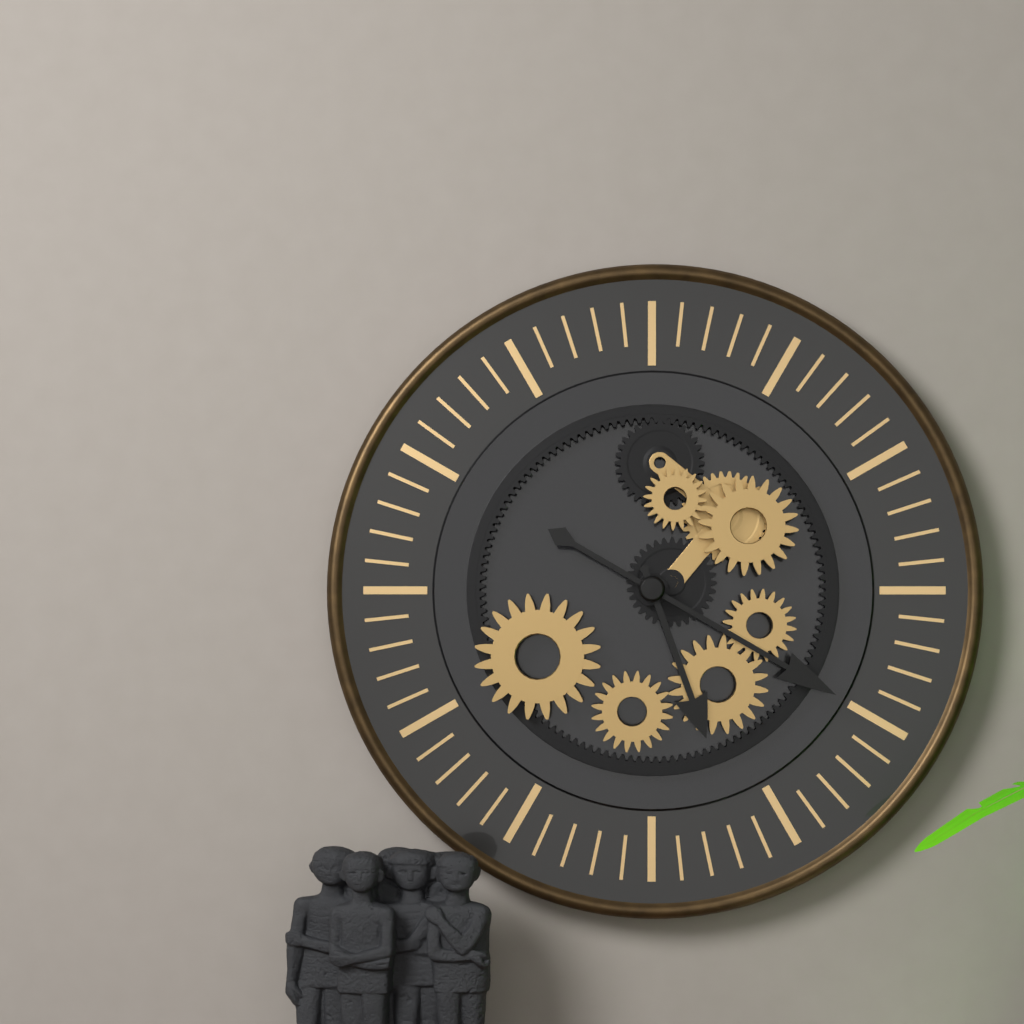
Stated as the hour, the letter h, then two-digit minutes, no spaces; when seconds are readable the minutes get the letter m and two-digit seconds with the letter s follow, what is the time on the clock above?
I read 5h20
